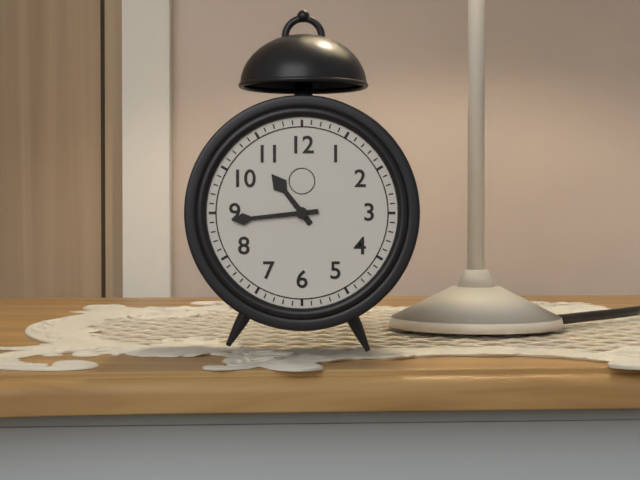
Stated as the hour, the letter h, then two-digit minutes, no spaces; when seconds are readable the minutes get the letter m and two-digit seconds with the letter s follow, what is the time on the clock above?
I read 10h44
